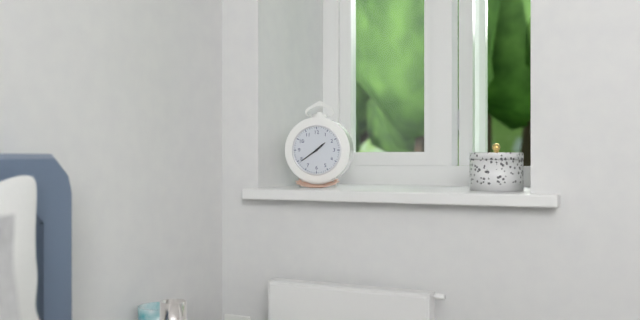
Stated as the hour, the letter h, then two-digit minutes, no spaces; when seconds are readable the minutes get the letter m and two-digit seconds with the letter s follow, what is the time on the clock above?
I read 1h39
